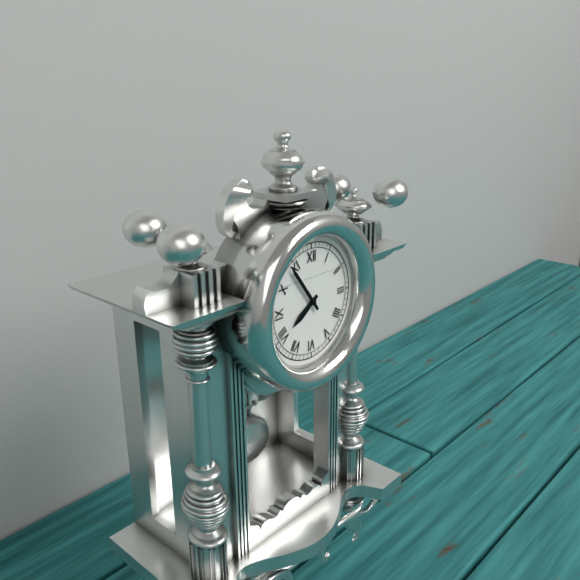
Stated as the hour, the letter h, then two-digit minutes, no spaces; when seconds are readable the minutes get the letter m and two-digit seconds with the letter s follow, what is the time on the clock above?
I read 7h54
